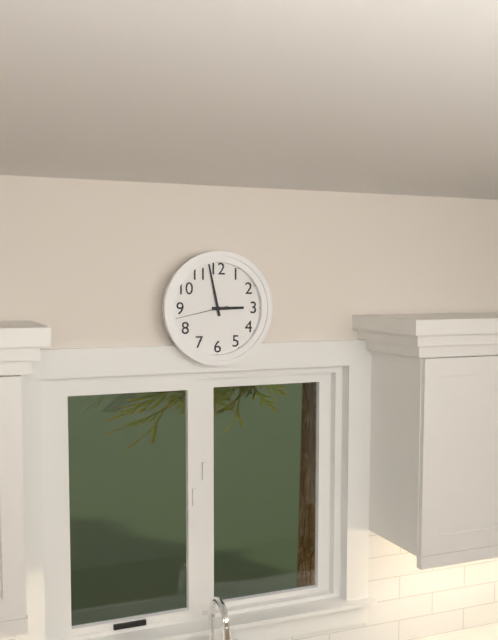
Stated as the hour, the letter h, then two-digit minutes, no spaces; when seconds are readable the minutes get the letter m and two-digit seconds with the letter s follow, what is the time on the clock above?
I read 2h58m43s
